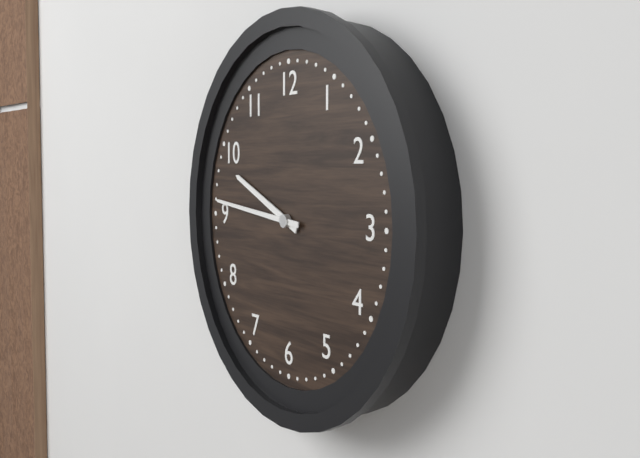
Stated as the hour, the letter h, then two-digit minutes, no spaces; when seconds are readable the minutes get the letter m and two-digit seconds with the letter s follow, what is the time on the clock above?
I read 9h46
